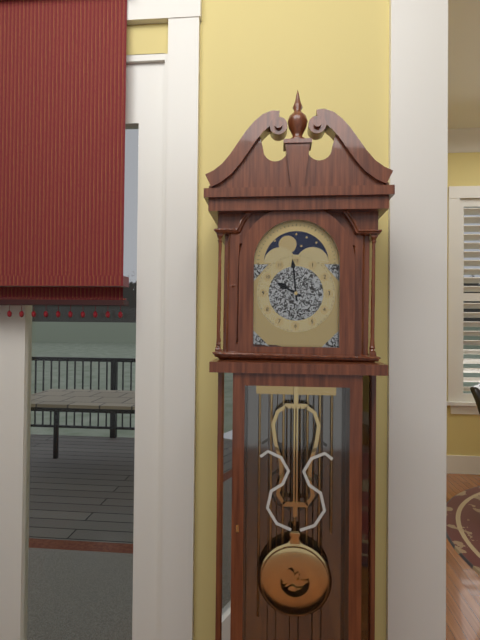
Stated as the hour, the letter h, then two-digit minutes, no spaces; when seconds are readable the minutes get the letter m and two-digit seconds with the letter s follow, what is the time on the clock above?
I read 9h59
